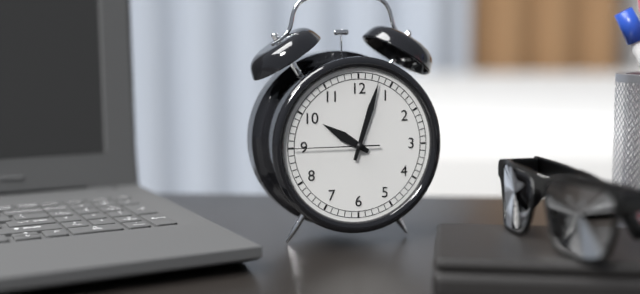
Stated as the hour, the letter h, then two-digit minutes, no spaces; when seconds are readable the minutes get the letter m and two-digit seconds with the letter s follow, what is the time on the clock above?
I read 10h03m45s
